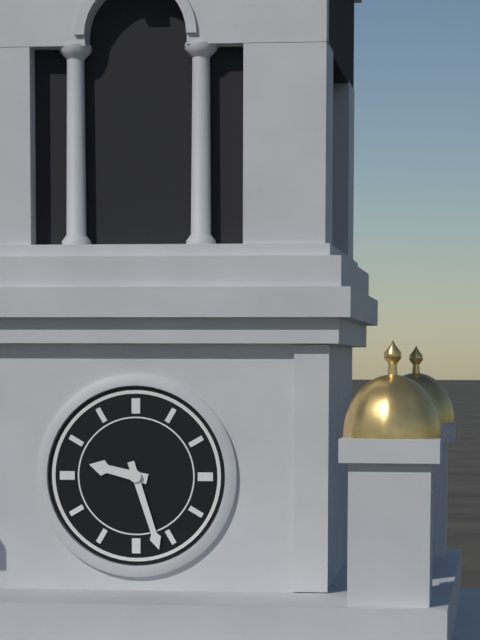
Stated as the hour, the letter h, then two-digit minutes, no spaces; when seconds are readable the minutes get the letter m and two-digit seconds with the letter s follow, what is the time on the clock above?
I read 9h27
